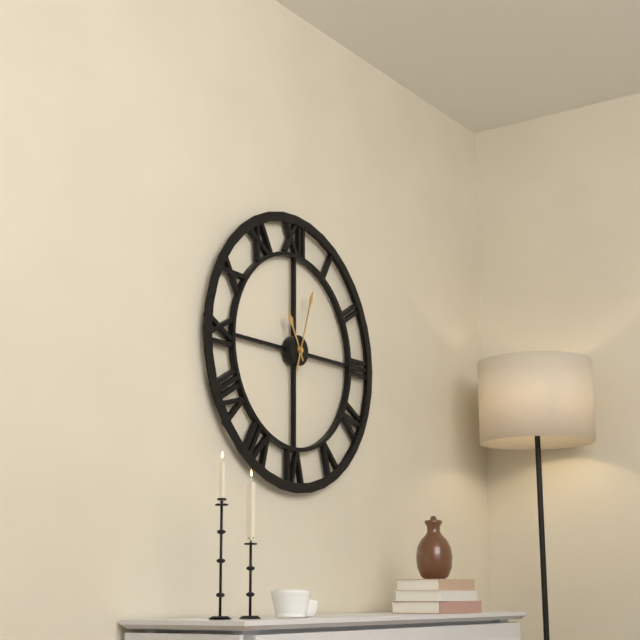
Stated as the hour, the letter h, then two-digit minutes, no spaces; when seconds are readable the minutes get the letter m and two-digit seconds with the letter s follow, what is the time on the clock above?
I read 11h03
